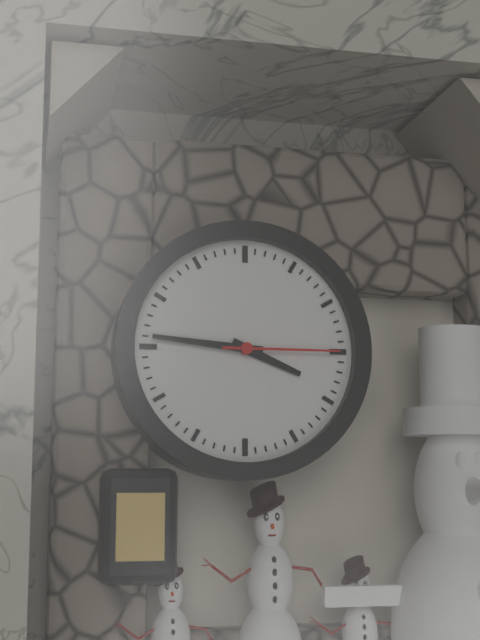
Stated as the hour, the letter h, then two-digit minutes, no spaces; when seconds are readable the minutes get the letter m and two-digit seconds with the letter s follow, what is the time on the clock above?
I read 3h46m15s
